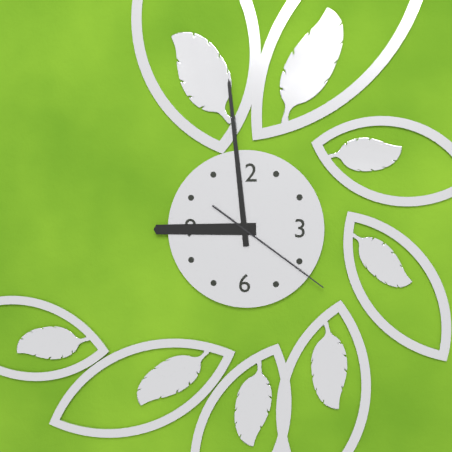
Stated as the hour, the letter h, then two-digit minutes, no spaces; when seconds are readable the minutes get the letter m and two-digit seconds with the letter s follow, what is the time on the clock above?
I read 8h59m21s
